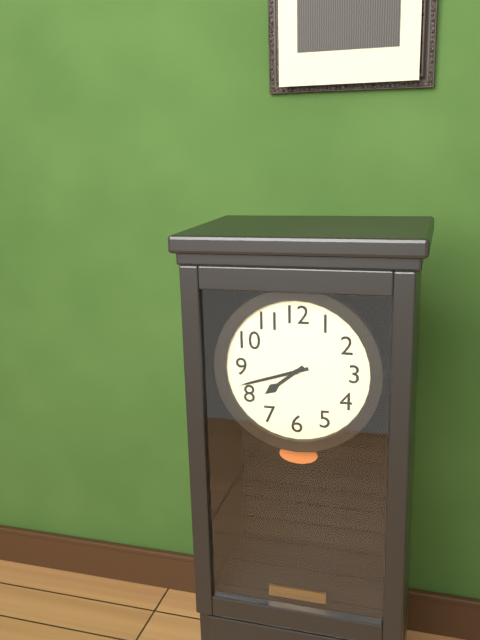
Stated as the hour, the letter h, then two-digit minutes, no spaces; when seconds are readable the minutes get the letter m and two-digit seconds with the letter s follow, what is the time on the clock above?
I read 7h42
